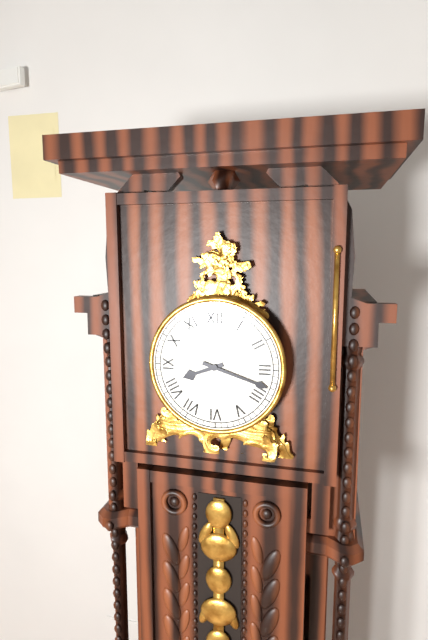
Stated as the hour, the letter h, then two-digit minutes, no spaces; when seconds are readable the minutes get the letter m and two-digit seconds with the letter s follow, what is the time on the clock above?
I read 8h18
